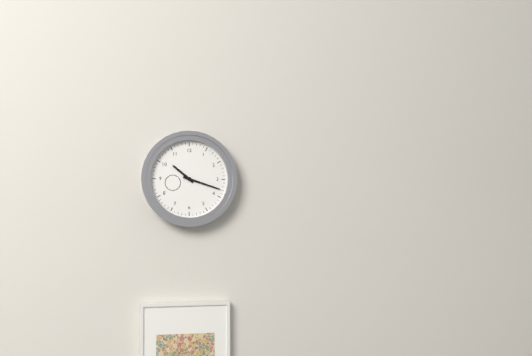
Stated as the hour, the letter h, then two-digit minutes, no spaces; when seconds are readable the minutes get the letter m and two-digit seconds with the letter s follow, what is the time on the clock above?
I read 10h18
